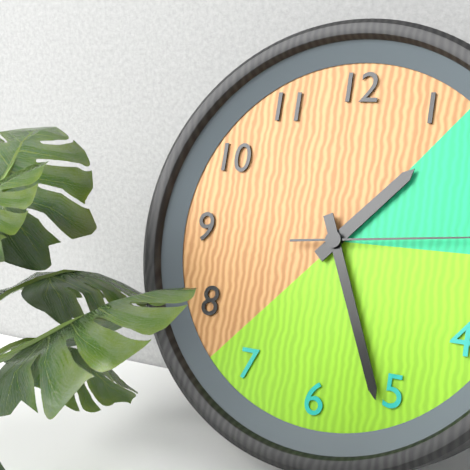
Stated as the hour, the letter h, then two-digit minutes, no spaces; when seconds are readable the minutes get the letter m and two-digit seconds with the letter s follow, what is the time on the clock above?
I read 1h26
